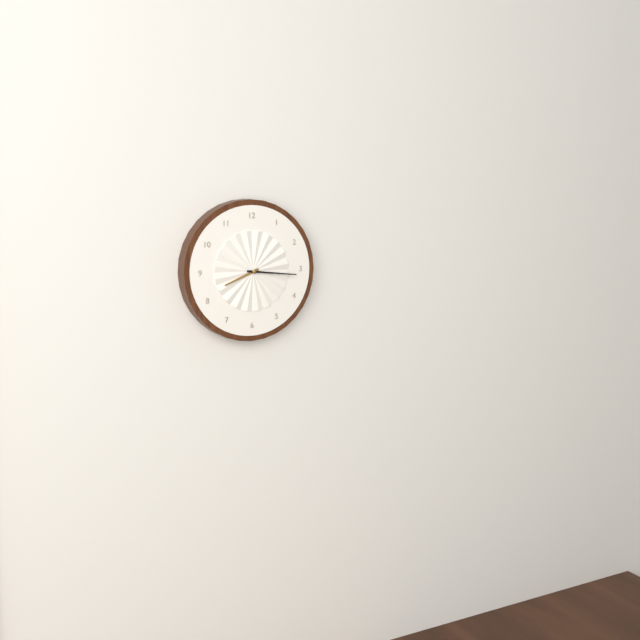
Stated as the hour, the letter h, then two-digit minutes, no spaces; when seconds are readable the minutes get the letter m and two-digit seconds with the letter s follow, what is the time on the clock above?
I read 8h16
